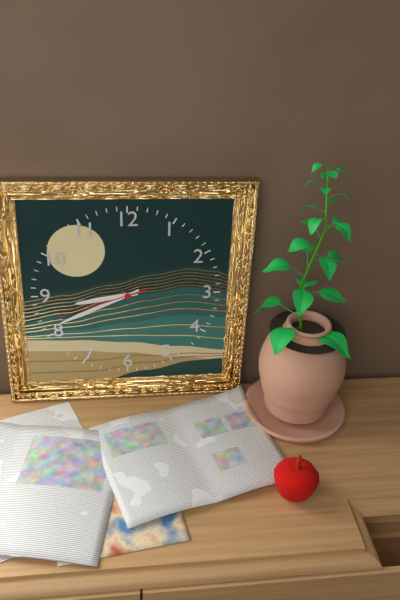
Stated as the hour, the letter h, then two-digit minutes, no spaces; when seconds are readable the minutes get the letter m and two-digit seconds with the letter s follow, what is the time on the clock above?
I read 8h41m42s
